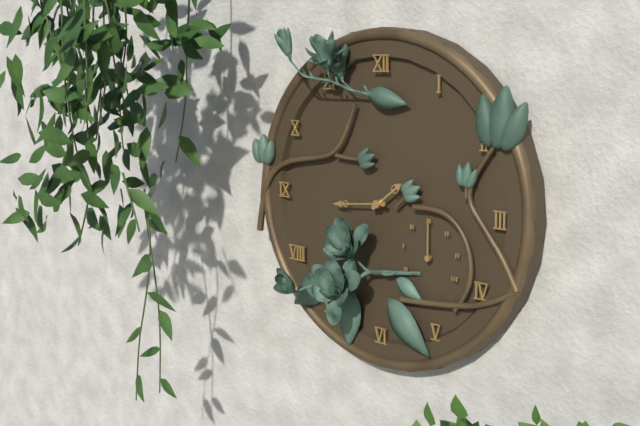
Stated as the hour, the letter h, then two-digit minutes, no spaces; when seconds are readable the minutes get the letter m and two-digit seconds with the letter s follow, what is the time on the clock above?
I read 1h44
